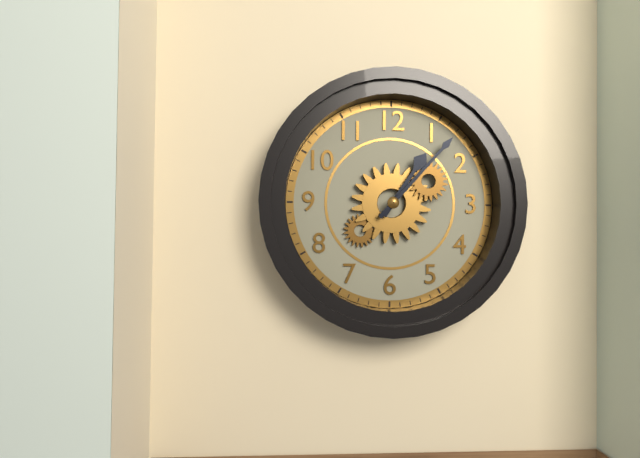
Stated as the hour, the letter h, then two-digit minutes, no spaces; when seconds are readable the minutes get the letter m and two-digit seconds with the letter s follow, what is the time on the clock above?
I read 1h07
